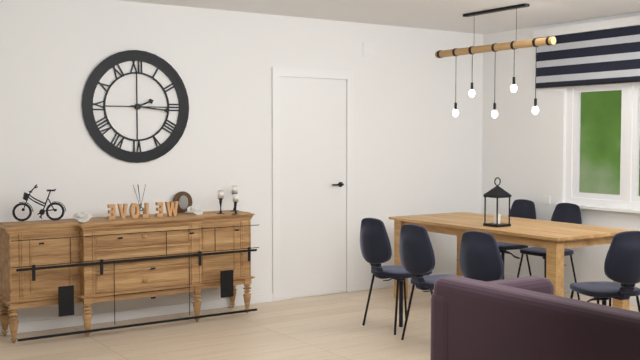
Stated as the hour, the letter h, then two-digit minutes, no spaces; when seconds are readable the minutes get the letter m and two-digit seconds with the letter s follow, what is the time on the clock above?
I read 2h16
